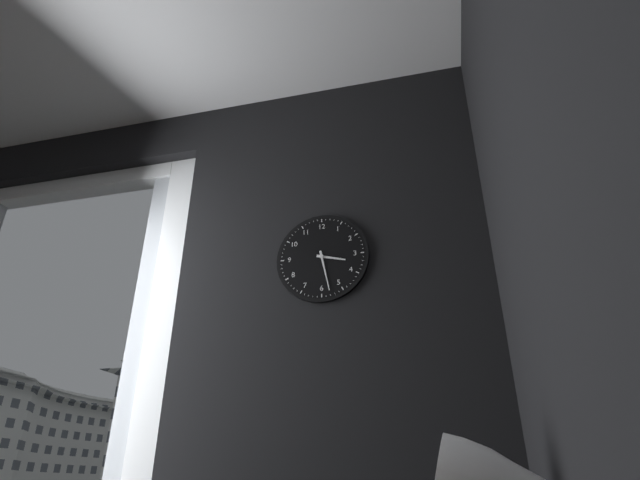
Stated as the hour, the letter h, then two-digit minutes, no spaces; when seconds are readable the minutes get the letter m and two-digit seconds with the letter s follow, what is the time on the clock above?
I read 3h28
